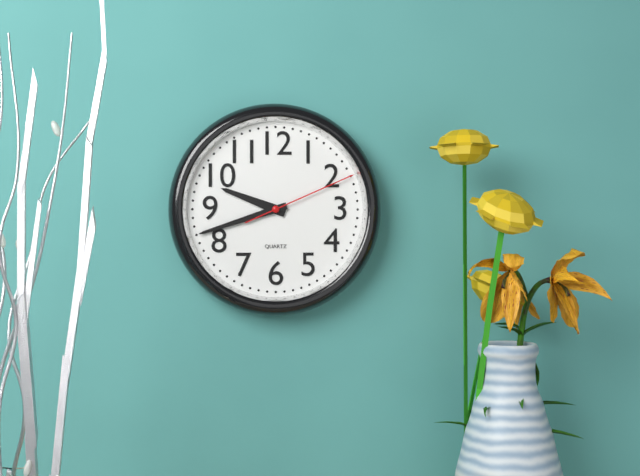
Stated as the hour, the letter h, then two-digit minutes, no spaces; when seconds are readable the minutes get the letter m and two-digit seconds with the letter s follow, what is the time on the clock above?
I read 9h42m11s
